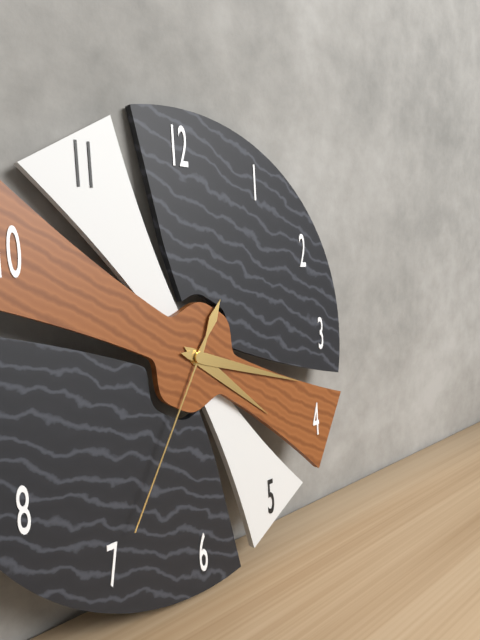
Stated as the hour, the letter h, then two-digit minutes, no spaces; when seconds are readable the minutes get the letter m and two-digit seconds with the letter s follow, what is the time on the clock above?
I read 4h18m35s
